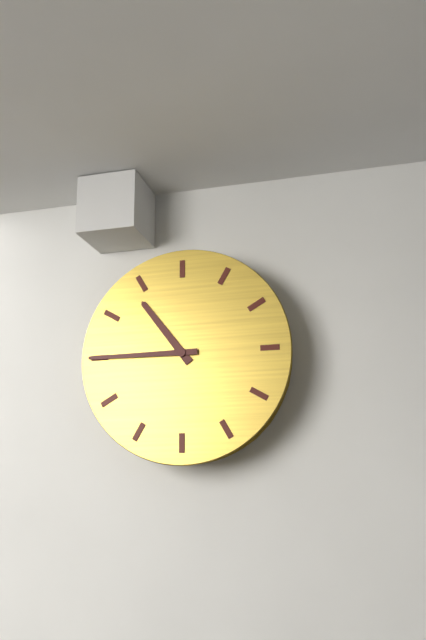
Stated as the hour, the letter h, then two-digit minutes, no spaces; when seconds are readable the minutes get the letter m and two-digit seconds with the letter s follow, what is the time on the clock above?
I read 10h45
